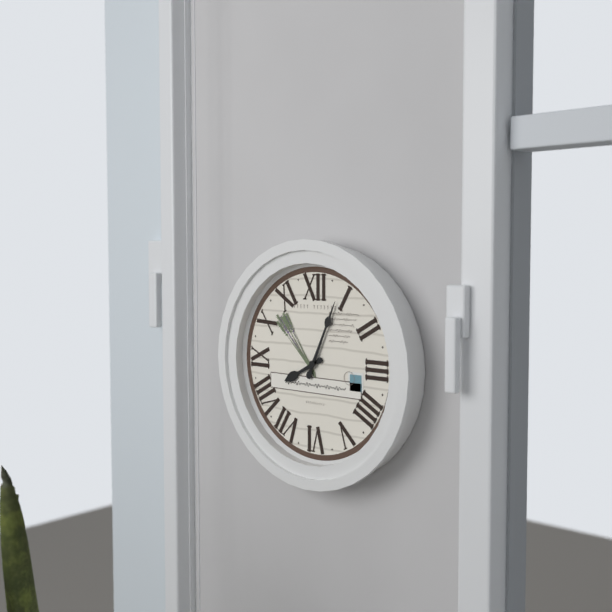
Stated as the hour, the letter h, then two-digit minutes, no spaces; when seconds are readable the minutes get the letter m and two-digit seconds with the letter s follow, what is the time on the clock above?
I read 8h04
